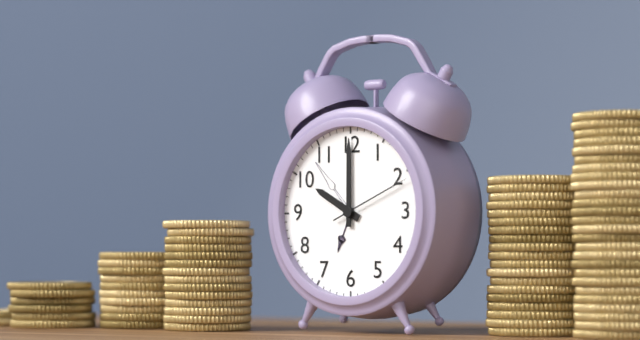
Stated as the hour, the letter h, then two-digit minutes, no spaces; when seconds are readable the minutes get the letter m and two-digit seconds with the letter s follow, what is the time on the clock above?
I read 10h00m11s
